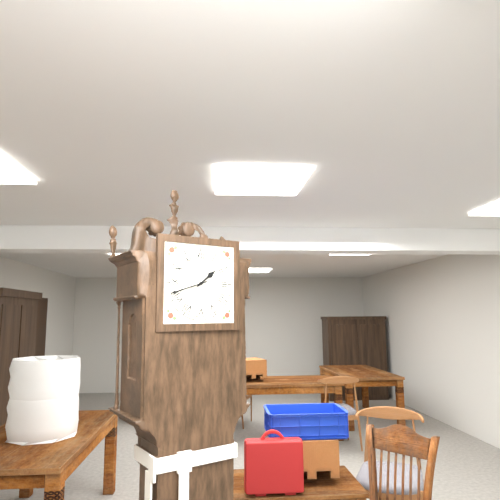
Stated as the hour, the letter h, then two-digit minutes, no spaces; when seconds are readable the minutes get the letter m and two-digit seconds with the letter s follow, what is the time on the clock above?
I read 1h42
